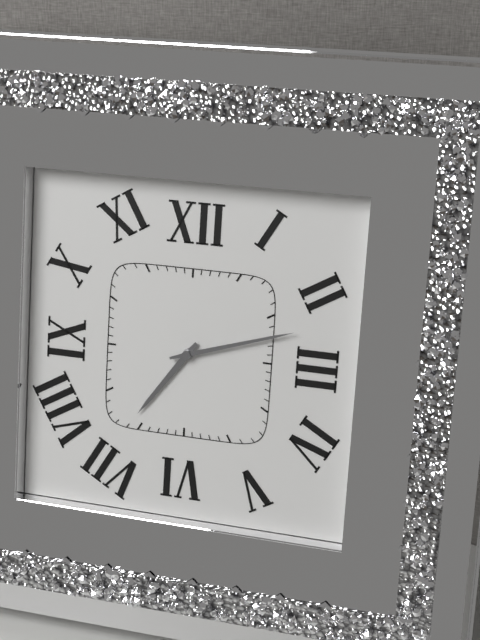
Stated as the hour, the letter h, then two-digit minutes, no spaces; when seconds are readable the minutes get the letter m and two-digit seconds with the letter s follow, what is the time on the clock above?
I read 7h12
